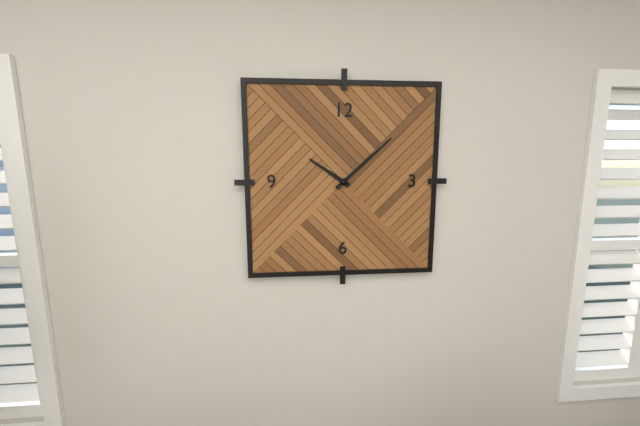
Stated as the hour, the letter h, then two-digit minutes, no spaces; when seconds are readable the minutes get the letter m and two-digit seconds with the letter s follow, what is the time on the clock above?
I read 10h08
